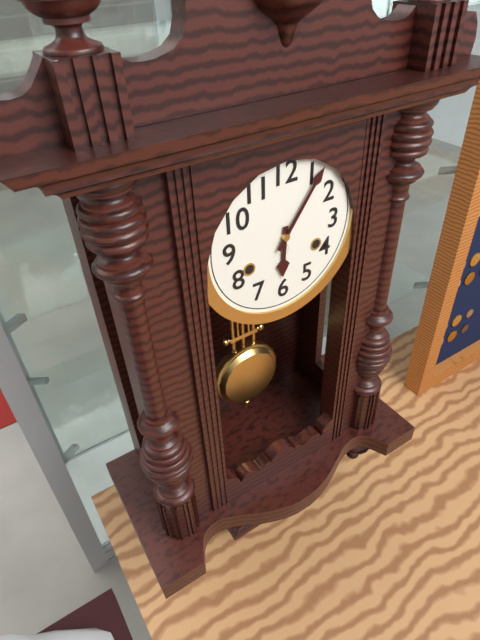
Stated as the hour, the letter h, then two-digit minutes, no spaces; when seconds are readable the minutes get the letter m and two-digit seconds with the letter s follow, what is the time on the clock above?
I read 6h06
